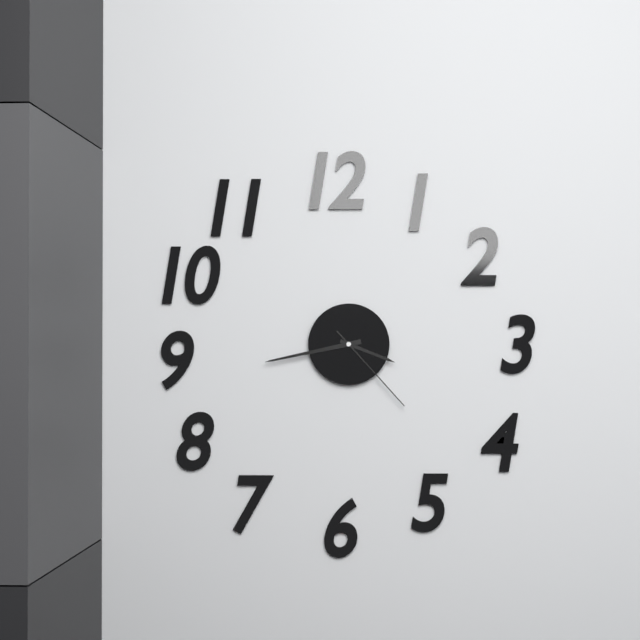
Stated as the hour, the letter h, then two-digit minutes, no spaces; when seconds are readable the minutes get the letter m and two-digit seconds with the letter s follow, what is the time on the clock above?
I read 3h43m23s
